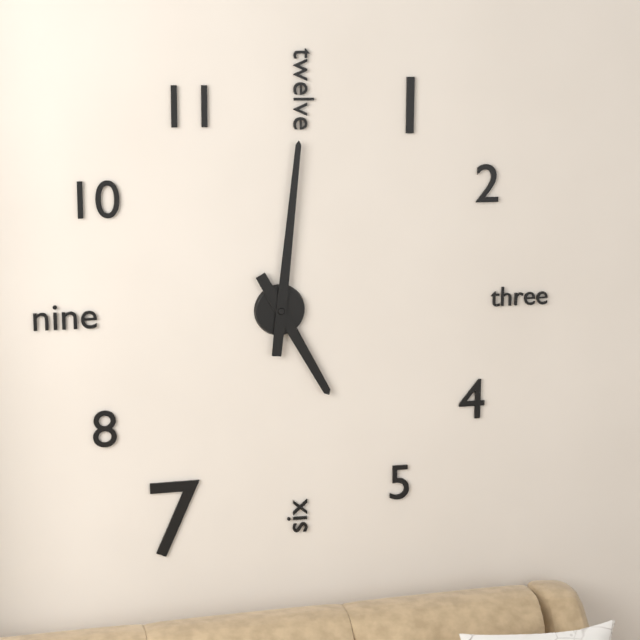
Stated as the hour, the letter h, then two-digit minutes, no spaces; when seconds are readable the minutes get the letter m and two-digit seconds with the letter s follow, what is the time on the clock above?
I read 5h01
